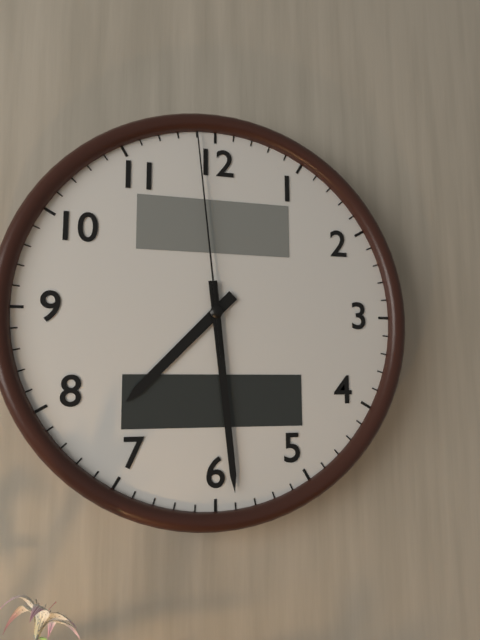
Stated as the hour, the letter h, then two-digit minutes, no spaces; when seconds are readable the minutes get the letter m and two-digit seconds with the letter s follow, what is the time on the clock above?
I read 7h29m59s
